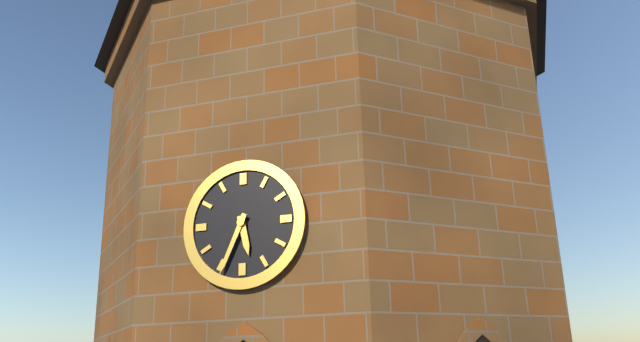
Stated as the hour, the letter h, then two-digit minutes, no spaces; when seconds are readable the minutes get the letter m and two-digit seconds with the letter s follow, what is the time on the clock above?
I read 5h34
